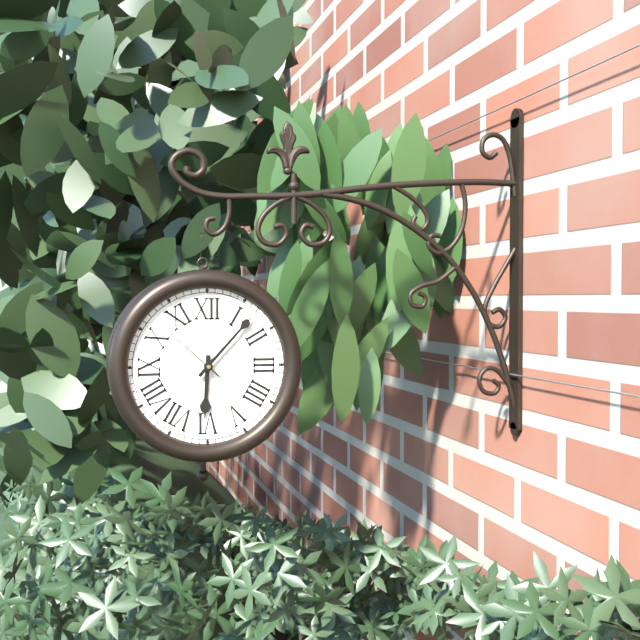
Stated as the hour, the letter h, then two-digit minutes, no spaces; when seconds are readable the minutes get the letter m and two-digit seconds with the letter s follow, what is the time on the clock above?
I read 6h07m52s
